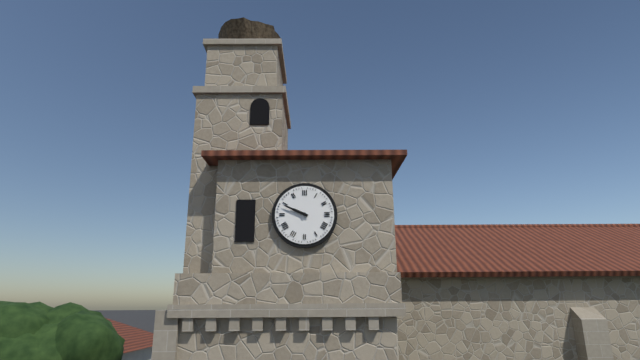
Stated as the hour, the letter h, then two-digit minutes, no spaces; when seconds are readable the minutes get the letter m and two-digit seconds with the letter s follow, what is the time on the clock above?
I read 9h49
